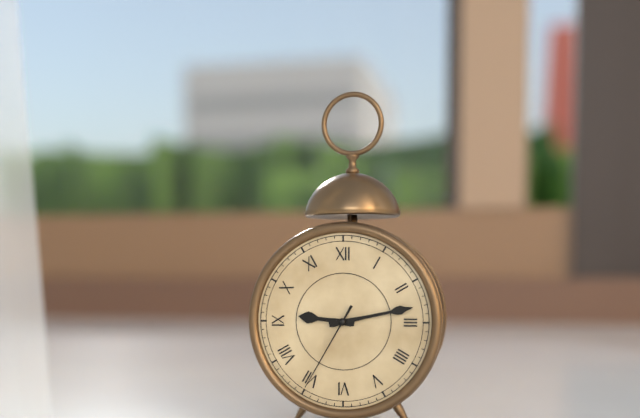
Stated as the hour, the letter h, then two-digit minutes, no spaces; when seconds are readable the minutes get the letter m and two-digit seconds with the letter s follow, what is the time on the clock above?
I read 9h13m35s
